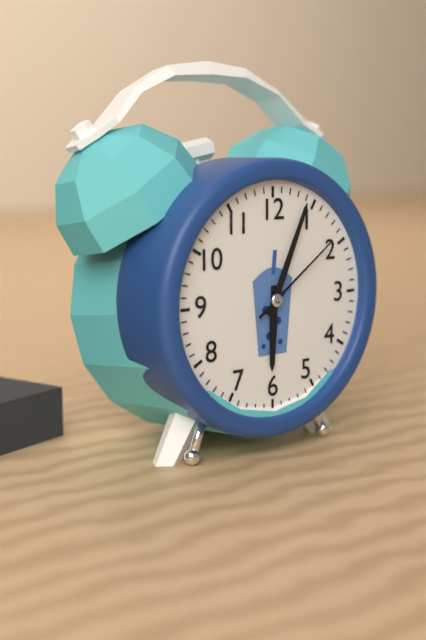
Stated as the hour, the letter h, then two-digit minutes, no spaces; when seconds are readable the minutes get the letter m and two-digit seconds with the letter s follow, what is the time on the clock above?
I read 6h04m09s
